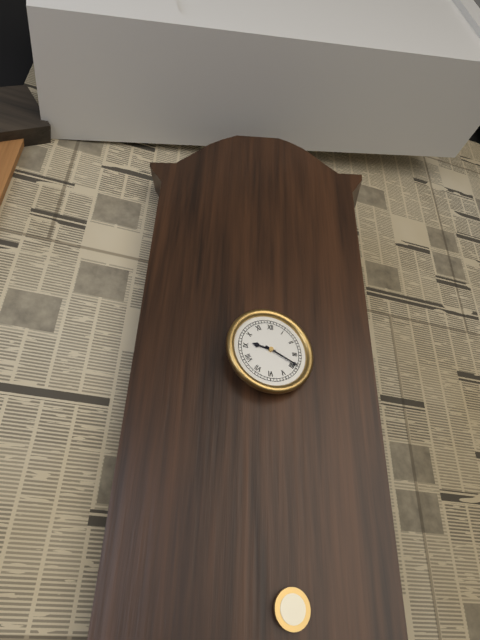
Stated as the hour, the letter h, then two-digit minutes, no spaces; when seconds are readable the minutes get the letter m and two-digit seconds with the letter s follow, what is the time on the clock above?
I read 9h19
